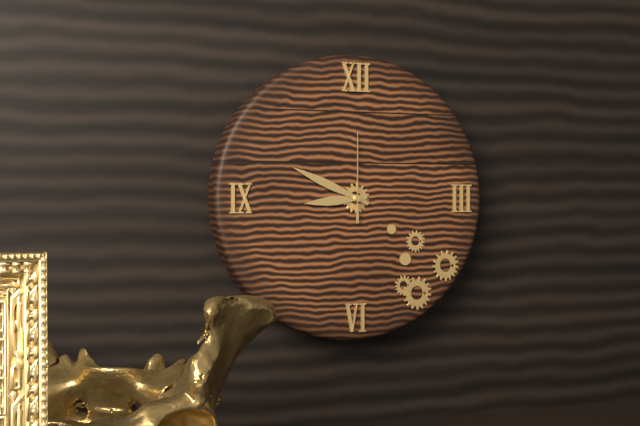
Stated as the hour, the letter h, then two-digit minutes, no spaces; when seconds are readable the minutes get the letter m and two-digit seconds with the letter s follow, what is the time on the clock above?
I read 8h49m00s
